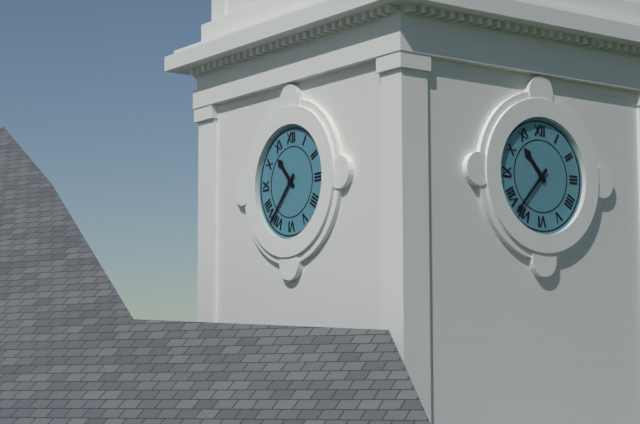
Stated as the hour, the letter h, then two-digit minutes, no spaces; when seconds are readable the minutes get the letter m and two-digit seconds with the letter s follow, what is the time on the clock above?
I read 10h37
